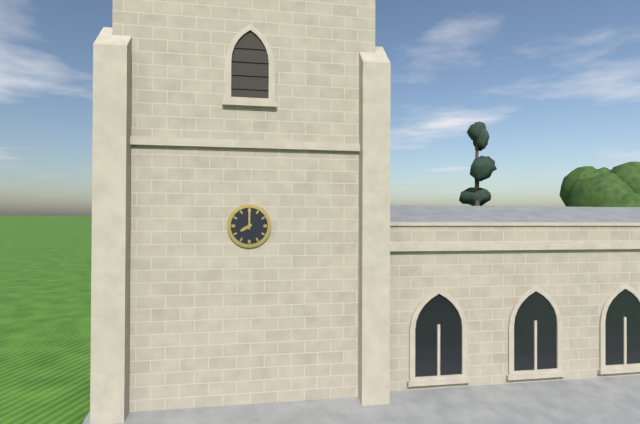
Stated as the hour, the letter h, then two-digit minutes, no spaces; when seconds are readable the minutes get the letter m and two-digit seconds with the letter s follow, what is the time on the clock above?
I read 8h00
